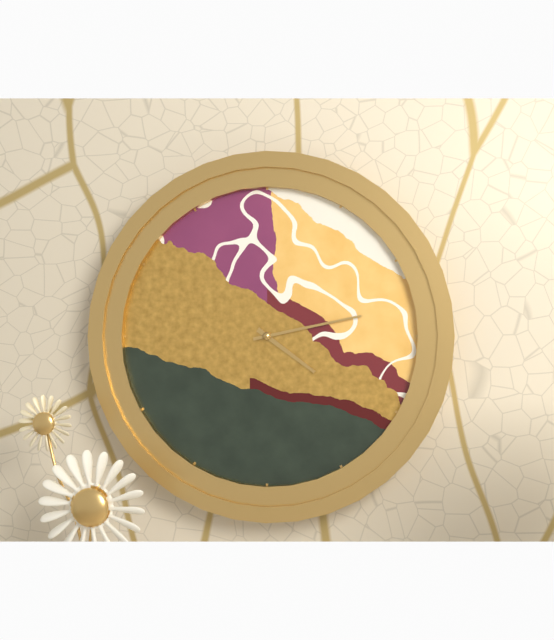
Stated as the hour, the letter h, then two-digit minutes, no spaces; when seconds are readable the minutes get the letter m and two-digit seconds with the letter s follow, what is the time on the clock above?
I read 4h13
